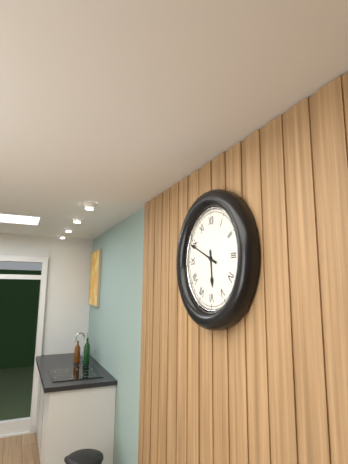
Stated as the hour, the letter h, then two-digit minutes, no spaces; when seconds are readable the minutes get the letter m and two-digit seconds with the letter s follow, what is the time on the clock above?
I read 5h49
